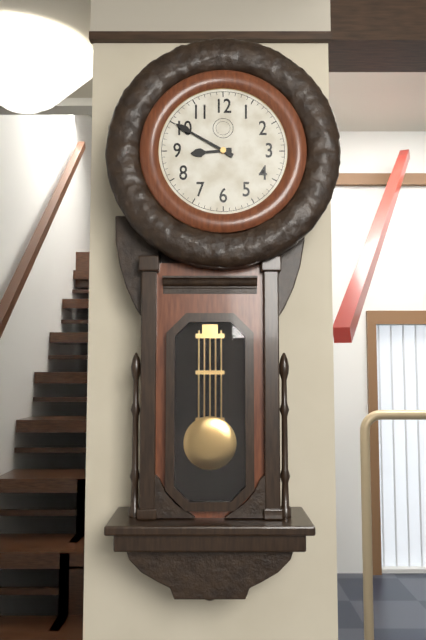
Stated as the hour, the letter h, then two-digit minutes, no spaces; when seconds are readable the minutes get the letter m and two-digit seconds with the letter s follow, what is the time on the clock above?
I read 8h50
